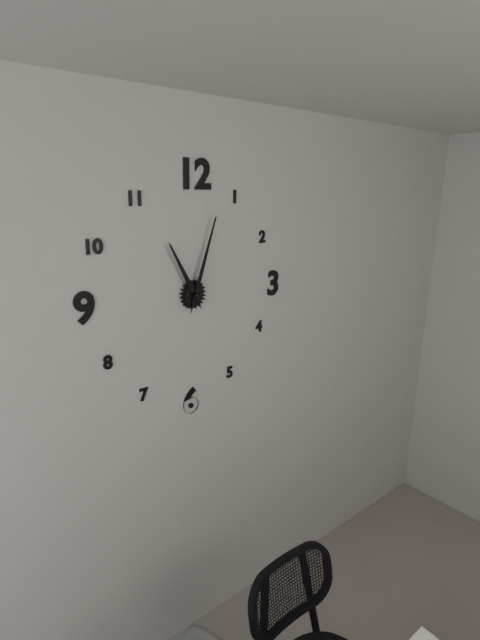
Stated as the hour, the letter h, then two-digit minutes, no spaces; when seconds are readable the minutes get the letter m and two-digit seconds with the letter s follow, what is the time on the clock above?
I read 11h03
